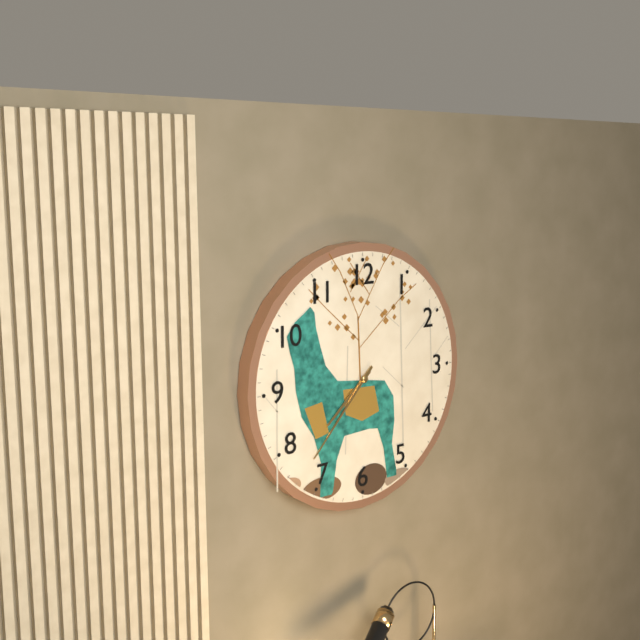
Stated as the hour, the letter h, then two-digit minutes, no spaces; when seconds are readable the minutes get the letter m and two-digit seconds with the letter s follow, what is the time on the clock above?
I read 7h37
